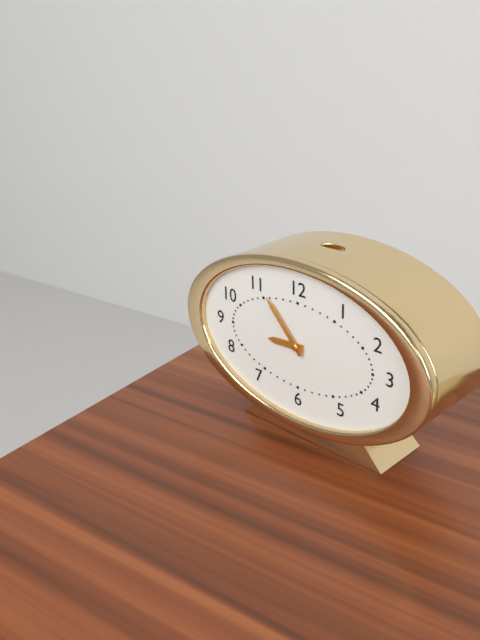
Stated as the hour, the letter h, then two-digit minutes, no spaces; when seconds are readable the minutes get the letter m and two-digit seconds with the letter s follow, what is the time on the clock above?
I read 8h53
